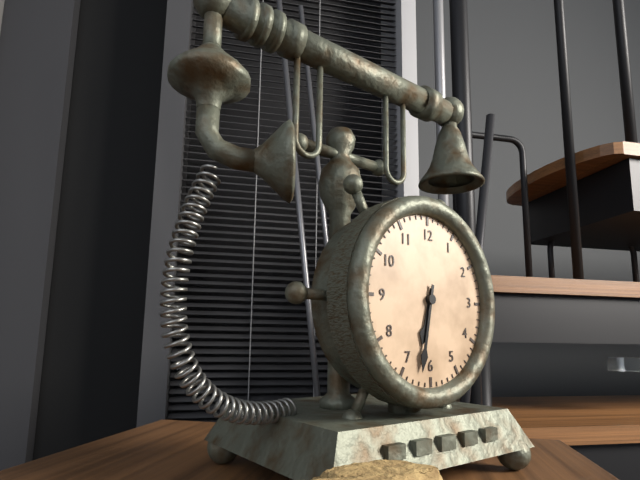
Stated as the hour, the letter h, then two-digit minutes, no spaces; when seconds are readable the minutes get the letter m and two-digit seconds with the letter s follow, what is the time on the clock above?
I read 6h32
